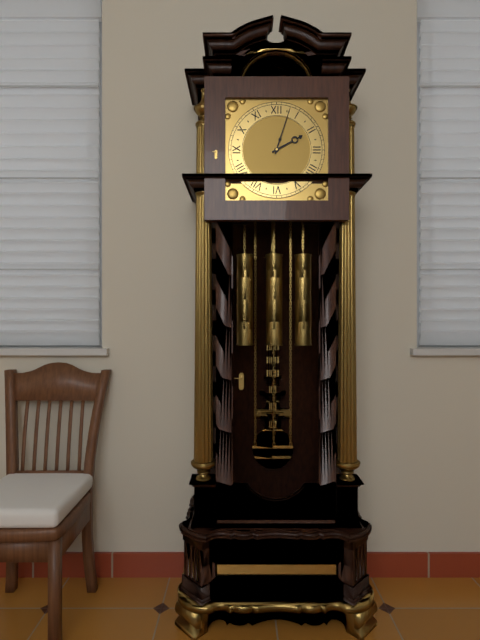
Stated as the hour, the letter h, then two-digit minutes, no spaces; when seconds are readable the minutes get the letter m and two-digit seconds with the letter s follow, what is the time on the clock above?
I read 2h03
